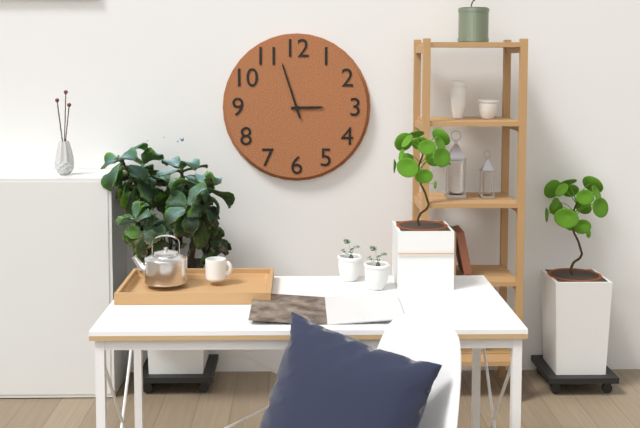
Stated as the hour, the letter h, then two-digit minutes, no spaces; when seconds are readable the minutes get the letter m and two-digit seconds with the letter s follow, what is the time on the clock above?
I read 2h57
